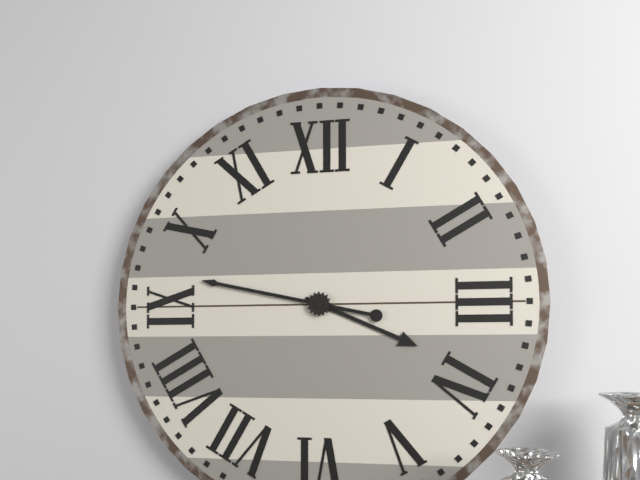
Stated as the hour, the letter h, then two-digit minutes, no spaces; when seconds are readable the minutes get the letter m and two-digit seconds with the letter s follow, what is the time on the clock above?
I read 3h47
